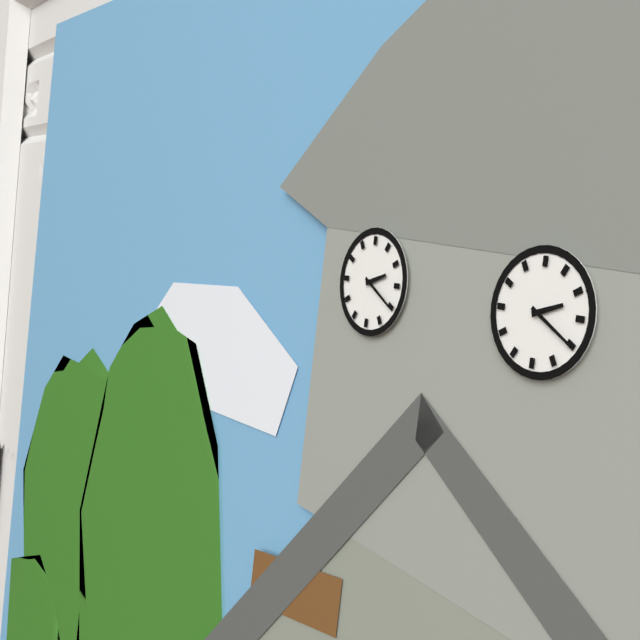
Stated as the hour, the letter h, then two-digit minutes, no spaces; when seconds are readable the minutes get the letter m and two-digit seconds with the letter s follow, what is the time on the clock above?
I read 2h20
